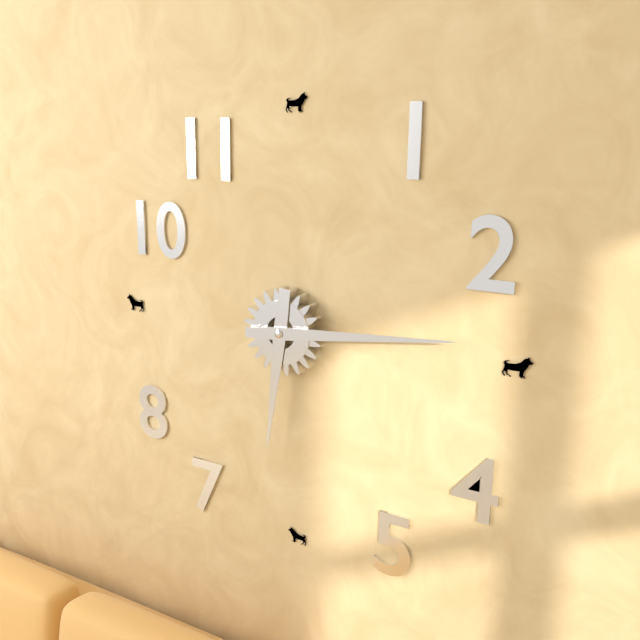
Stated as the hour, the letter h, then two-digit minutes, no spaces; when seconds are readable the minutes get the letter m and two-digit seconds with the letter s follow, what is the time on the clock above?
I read 6h14
